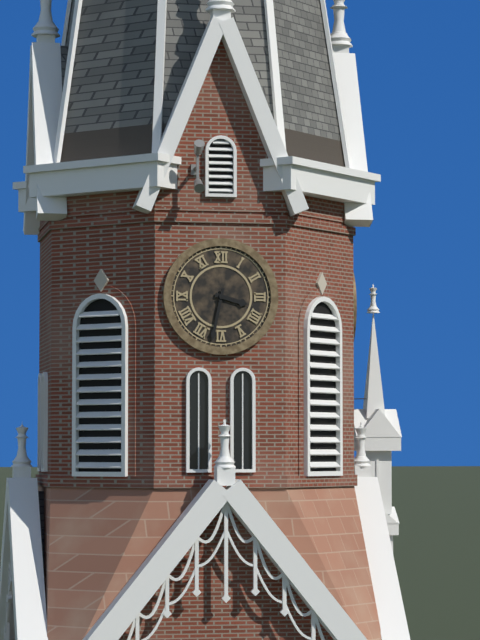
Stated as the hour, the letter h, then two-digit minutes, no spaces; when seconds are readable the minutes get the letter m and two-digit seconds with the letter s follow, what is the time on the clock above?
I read 3h32
